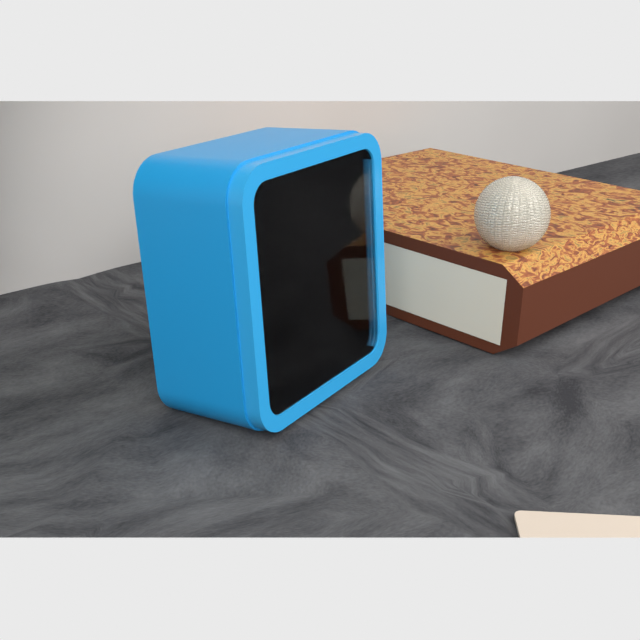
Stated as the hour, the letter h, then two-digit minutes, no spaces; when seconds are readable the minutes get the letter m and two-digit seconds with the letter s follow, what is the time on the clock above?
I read 7h55
